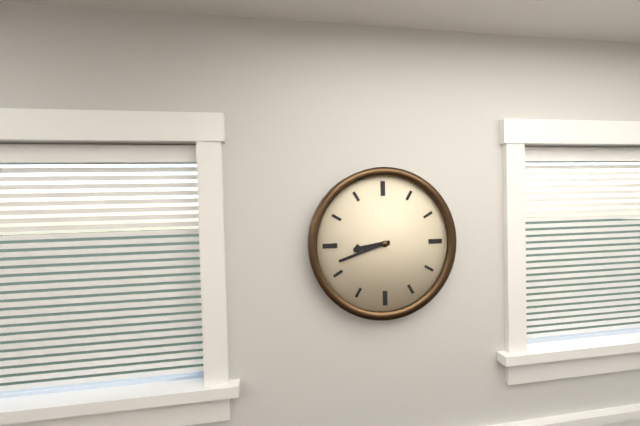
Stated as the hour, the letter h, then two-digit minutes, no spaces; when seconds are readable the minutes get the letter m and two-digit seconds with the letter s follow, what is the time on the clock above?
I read 8h42
